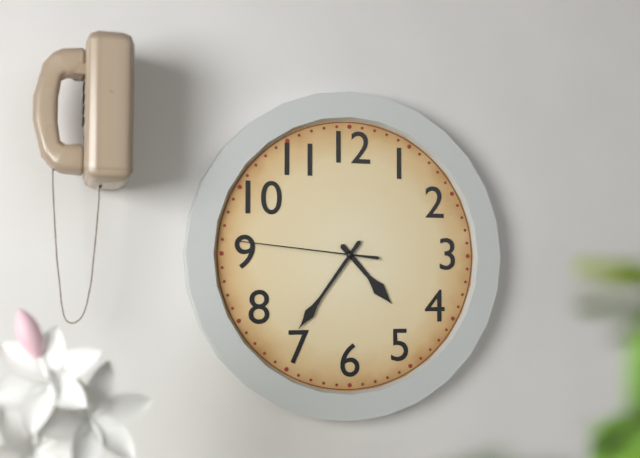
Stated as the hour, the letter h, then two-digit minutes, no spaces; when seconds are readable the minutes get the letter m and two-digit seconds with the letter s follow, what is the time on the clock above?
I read 4h36m46s
